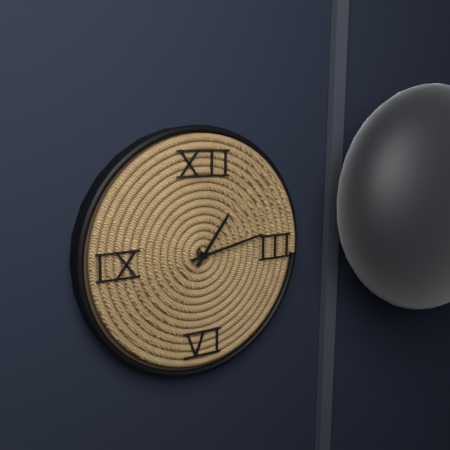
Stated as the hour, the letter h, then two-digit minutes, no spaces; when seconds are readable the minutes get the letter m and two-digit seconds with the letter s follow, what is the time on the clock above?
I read 1h13
